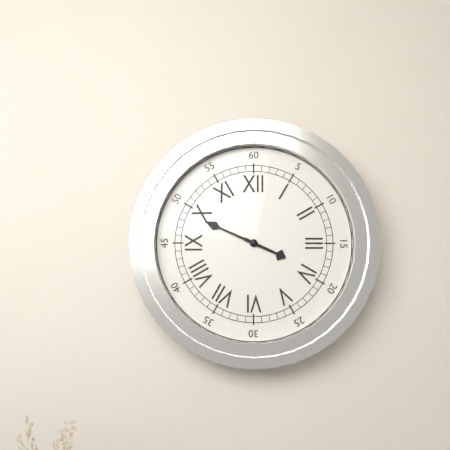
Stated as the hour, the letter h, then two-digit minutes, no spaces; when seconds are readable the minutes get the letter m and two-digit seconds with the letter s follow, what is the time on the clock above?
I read 3h49
